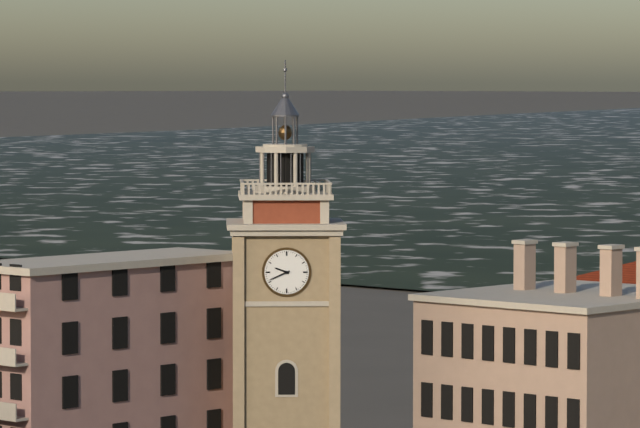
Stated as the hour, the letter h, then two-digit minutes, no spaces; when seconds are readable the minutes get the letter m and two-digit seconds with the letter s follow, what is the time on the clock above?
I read 9h41
